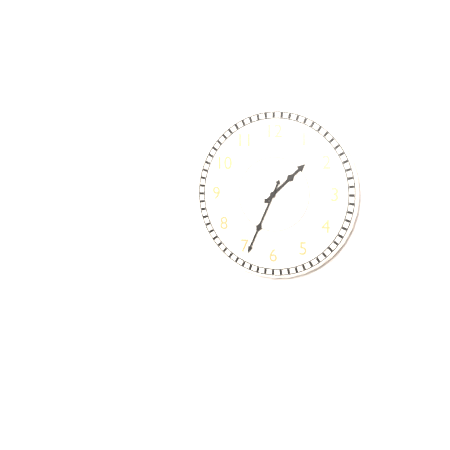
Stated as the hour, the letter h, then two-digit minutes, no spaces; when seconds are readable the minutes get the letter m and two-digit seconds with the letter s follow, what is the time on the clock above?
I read 1h34
